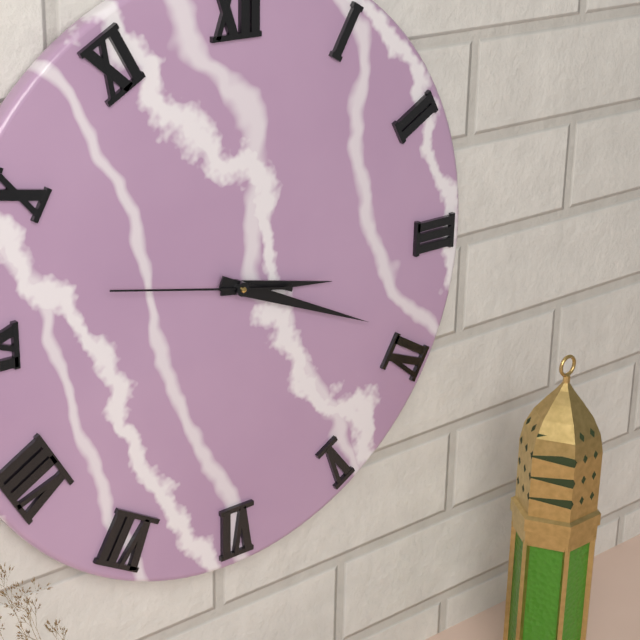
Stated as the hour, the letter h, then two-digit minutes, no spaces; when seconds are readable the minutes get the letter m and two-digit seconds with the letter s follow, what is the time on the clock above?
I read 3h19m47s
